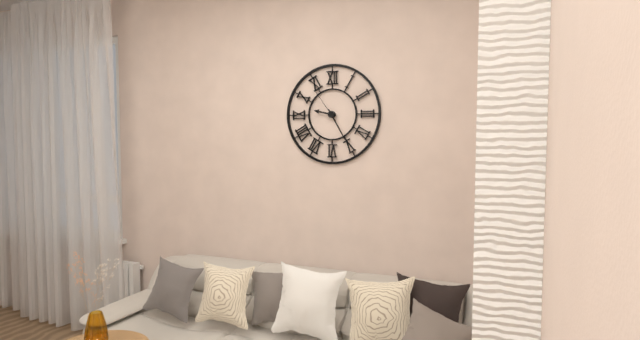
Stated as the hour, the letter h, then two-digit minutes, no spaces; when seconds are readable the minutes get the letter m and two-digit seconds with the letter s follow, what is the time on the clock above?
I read 9h25
